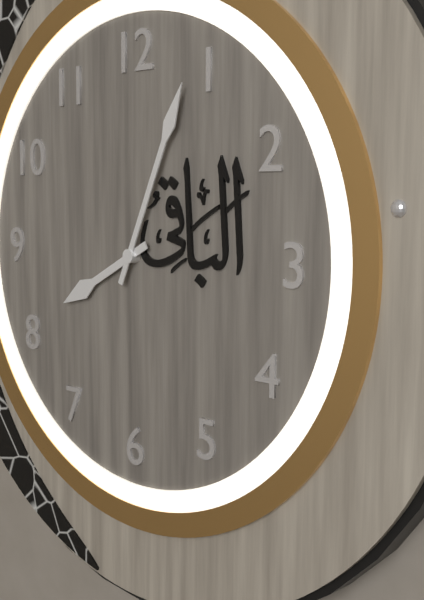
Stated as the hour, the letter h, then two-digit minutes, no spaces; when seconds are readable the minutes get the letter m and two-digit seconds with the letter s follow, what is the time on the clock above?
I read 8h04
